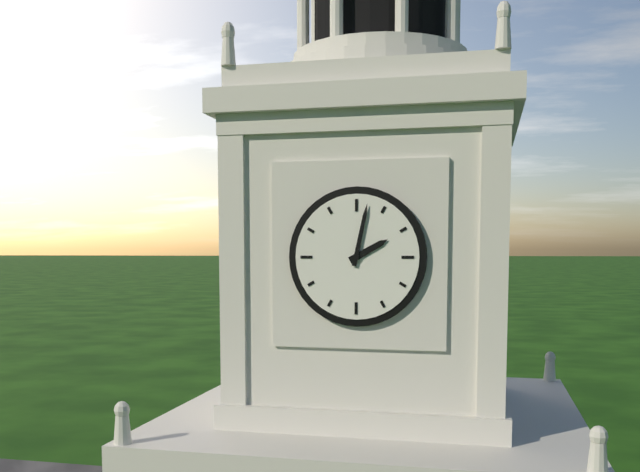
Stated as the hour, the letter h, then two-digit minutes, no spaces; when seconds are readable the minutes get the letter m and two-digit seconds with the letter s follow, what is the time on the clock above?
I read 2h02
